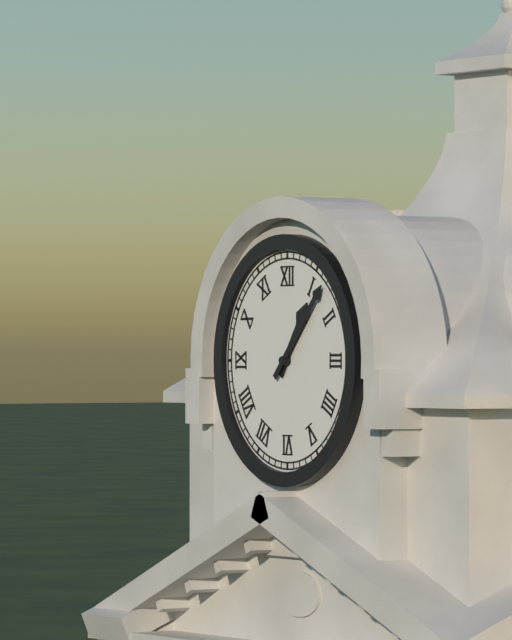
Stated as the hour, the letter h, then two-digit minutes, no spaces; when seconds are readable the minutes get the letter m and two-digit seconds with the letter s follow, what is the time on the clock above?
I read 1h07
